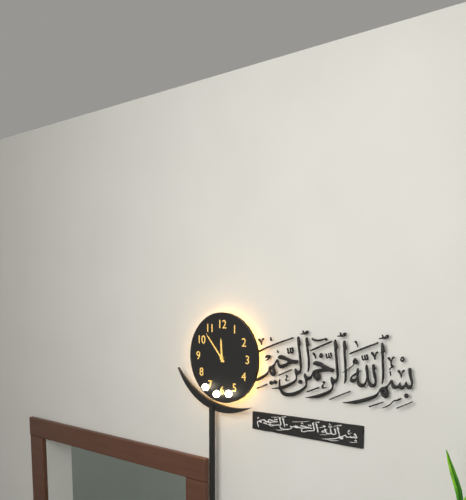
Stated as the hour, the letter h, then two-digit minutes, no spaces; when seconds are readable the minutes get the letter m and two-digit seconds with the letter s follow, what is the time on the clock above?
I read 11h53
